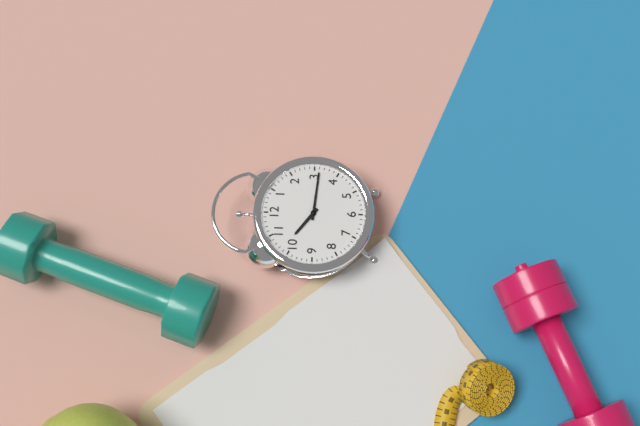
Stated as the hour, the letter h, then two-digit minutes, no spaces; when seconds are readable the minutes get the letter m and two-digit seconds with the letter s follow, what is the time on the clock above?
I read 10h16
